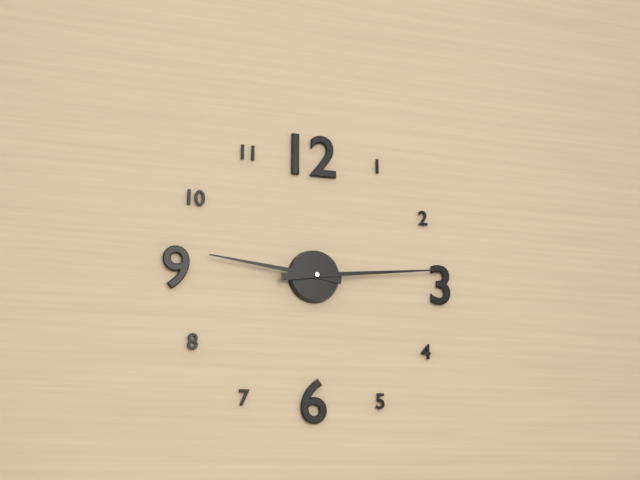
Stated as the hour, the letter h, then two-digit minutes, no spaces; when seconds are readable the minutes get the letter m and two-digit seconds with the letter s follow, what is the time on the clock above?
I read 9h14
